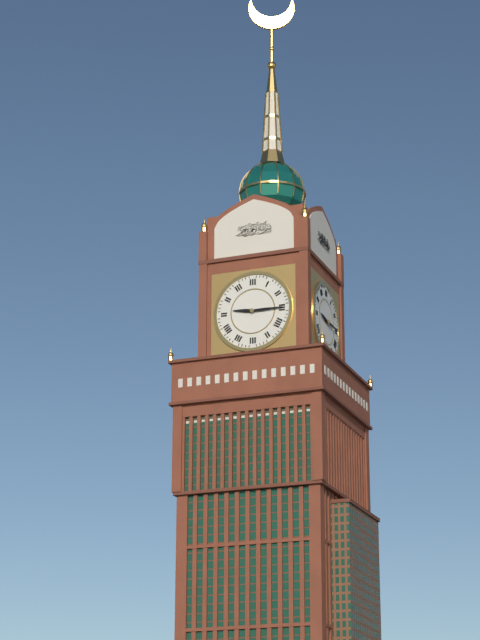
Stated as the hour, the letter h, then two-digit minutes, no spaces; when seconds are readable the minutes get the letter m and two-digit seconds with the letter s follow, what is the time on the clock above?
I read 9h15
